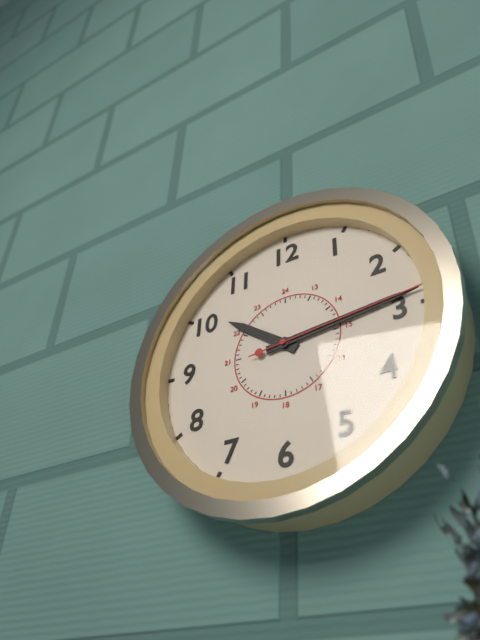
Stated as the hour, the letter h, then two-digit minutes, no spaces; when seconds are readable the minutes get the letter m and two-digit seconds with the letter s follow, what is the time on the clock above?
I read 10h14m14s
